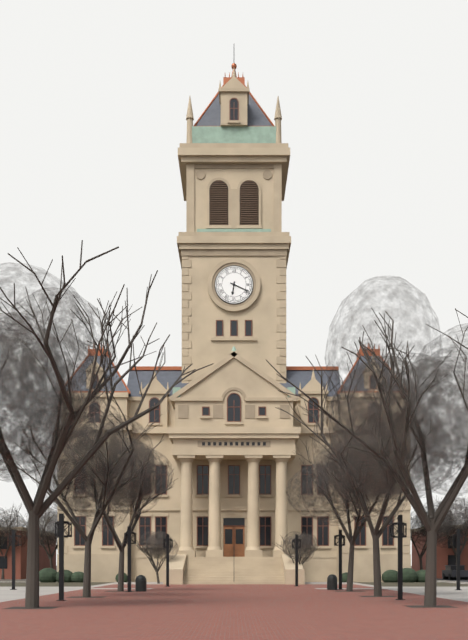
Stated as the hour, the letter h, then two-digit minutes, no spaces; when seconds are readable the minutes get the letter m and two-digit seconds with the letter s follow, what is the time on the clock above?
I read 6h19
